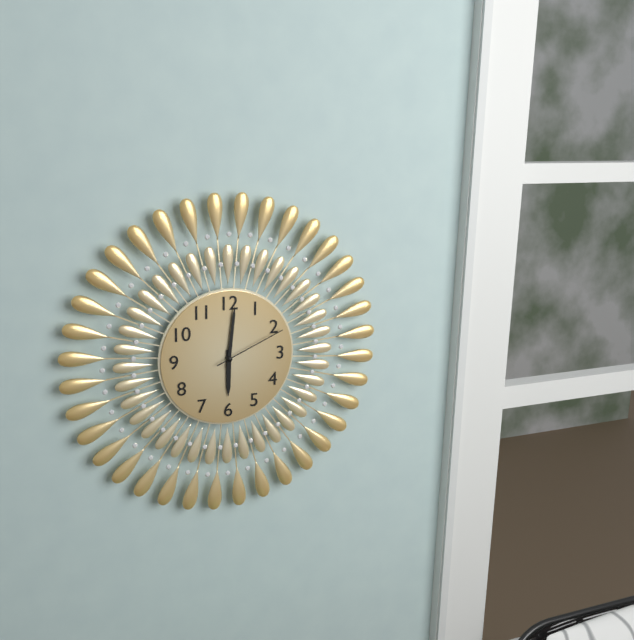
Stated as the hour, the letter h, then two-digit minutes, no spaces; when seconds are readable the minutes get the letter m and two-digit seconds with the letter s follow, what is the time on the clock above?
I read 6h01m11s
